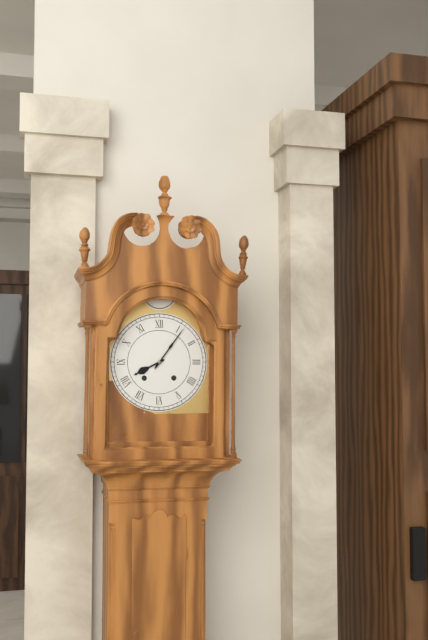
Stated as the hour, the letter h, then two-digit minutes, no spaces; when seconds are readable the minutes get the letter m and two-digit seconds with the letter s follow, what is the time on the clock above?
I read 8h06
